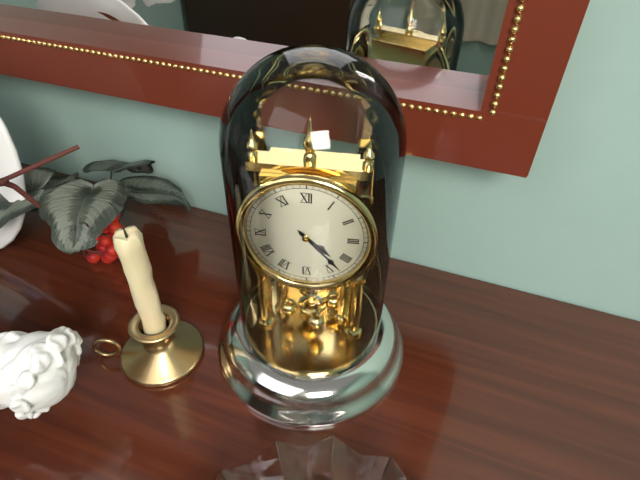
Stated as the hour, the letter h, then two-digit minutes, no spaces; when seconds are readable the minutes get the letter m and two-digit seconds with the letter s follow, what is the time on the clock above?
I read 4h23
